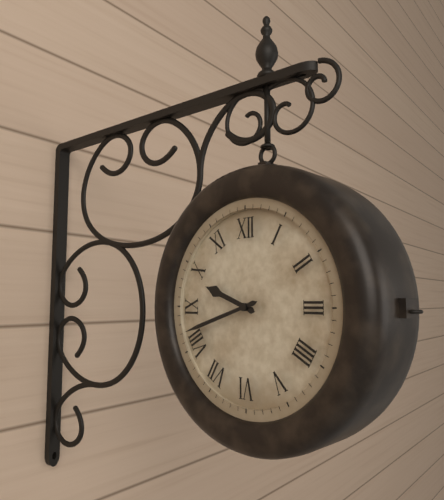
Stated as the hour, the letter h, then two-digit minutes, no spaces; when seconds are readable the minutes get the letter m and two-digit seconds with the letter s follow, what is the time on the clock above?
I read 9h42
